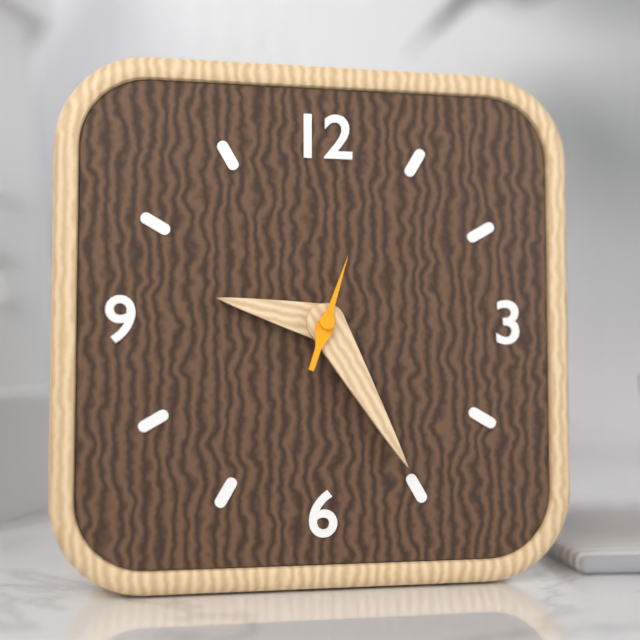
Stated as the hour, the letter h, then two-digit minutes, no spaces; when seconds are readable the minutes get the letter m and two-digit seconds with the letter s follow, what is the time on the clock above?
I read 9h25m03s
